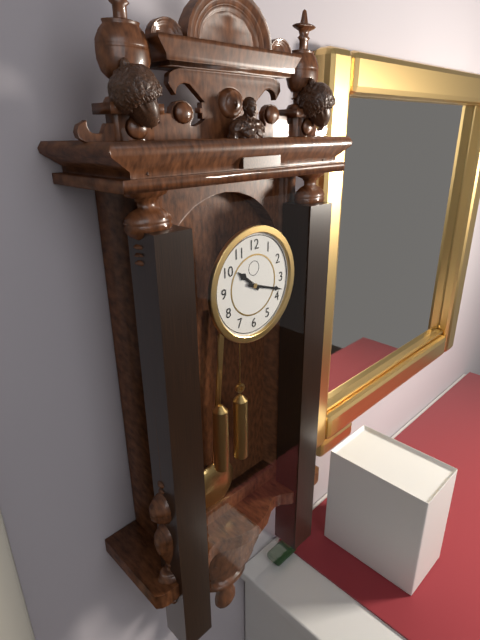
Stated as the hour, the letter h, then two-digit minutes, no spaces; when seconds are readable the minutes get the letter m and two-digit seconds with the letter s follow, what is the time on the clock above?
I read 10h18
